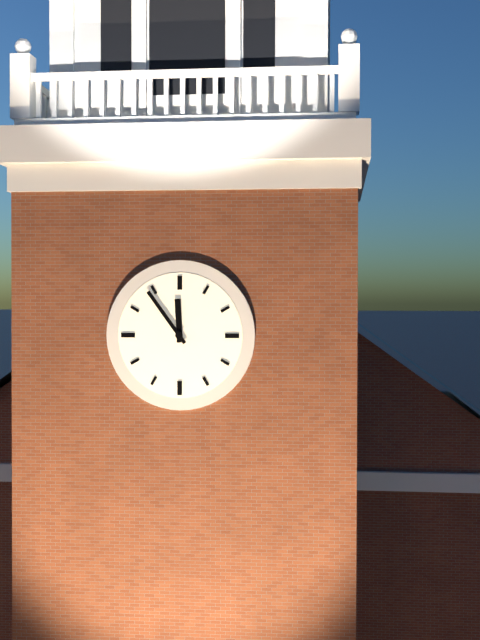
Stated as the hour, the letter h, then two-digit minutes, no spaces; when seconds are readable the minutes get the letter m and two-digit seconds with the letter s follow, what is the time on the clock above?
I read 11h54
